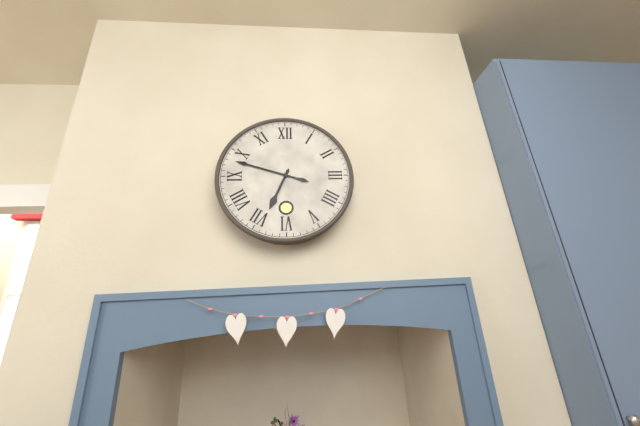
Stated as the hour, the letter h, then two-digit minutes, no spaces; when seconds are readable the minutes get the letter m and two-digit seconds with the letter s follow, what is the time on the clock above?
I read 6h48
